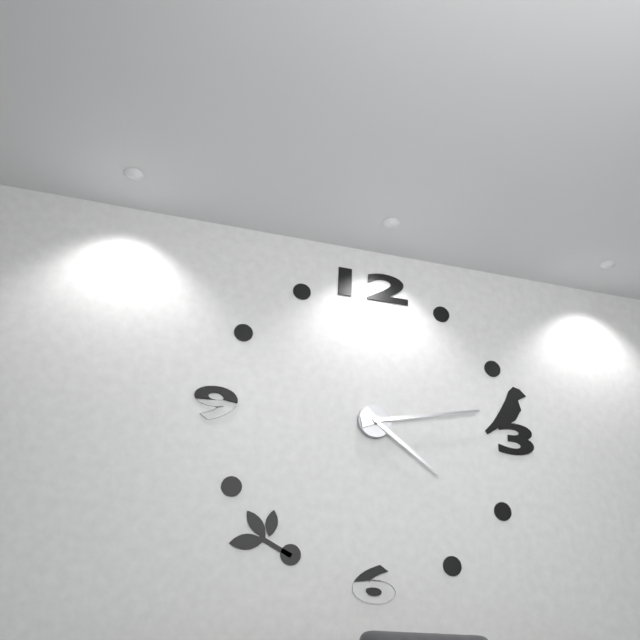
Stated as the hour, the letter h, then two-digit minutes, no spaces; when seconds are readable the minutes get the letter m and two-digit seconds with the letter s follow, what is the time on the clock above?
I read 4h13
